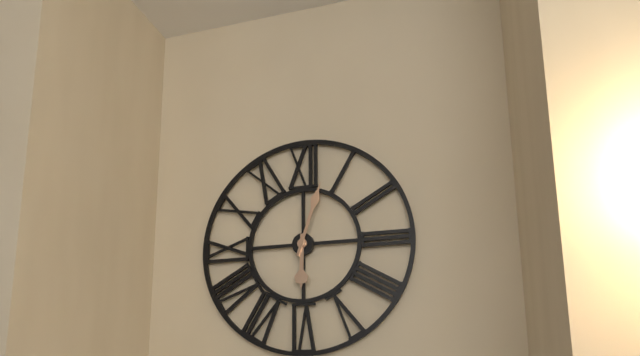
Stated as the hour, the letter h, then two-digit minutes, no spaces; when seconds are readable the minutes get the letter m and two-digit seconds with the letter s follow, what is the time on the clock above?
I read 6h03
